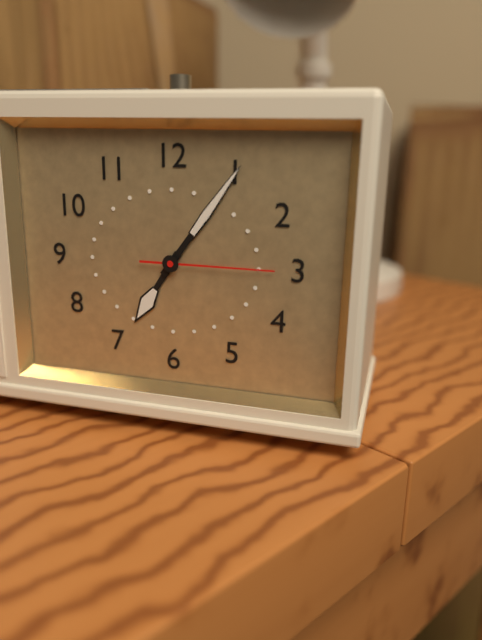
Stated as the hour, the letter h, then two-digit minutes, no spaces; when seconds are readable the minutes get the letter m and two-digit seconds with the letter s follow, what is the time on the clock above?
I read 7h06m15s
